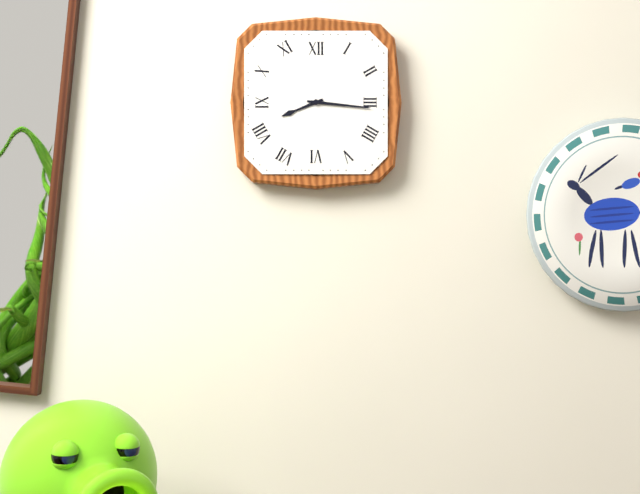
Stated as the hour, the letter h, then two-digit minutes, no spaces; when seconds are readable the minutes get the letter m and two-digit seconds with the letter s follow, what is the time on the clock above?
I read 8h16
